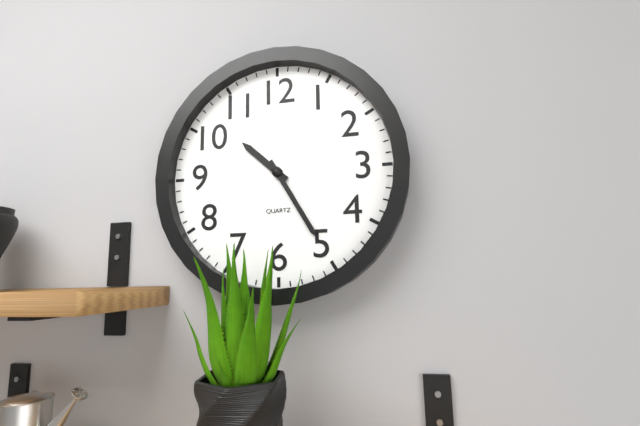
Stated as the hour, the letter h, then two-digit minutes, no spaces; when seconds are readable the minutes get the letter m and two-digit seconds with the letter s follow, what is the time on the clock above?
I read 10h25
